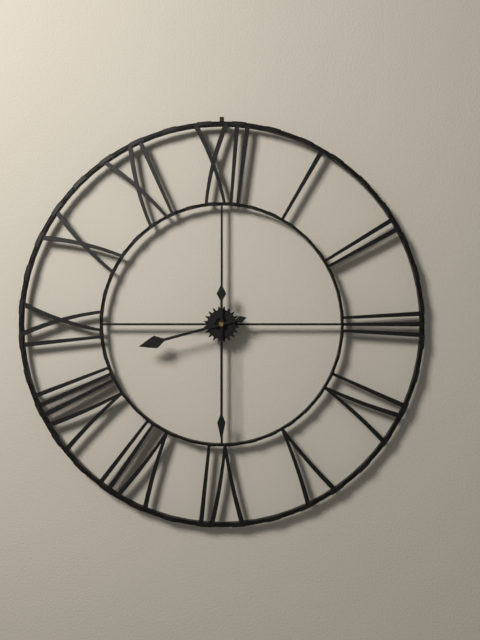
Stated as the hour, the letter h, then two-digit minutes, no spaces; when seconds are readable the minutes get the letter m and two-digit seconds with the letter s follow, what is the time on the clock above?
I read 8h30
